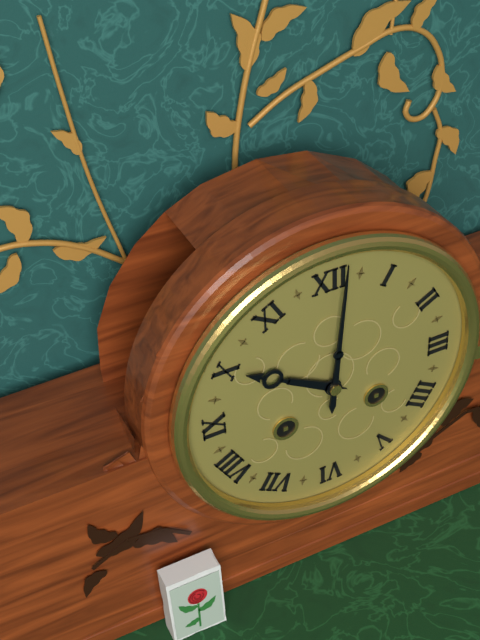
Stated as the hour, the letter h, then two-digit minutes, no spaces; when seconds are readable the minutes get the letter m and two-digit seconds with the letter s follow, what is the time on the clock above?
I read 10h01
